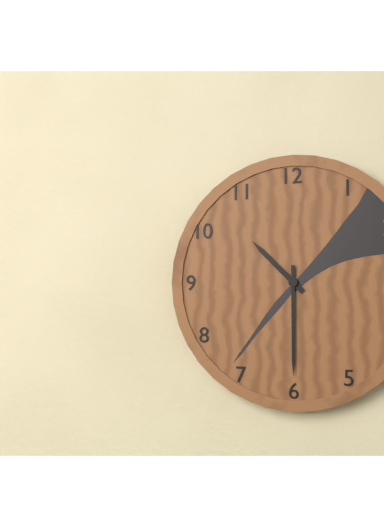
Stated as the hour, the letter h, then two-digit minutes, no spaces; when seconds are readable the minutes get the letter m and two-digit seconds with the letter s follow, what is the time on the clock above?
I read 10h30
